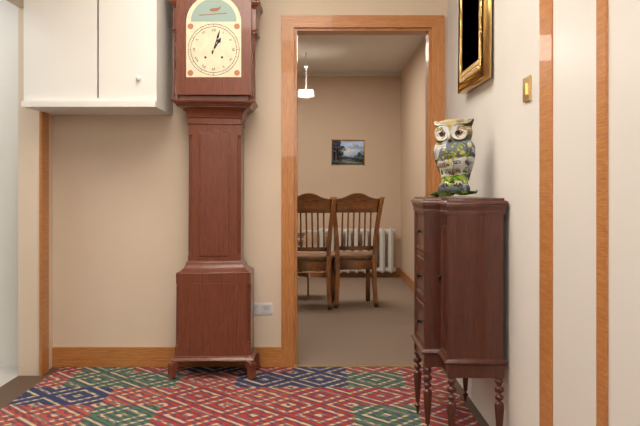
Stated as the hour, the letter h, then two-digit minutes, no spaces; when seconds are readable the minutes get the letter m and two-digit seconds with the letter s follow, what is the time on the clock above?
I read 1h03
